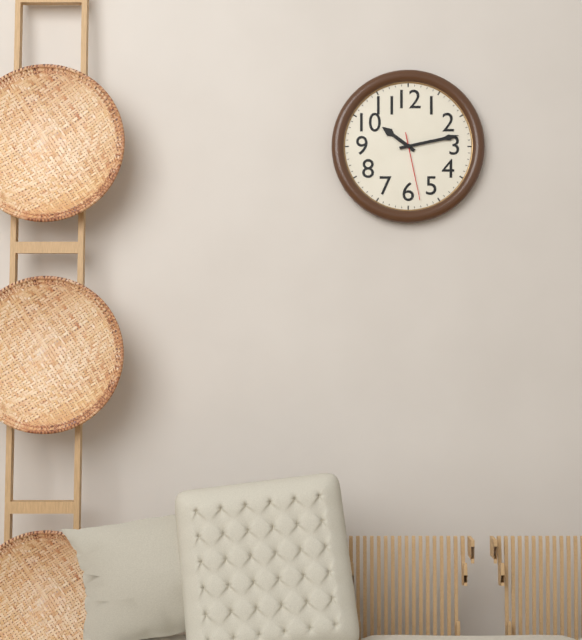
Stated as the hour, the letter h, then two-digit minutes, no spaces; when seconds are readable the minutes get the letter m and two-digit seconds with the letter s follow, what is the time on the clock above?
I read 10h13m28s
